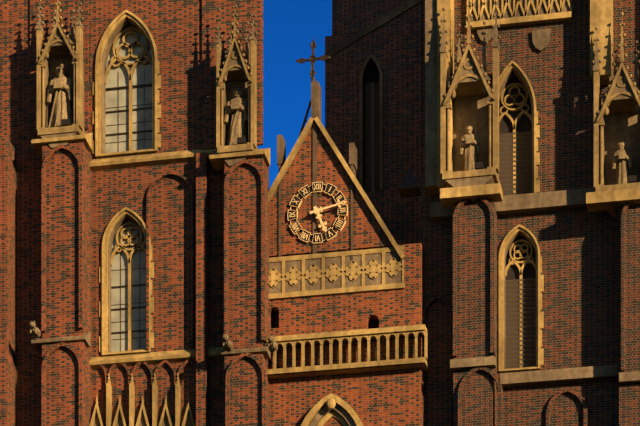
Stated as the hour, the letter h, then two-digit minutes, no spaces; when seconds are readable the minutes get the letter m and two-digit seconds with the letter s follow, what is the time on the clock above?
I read 5h13
